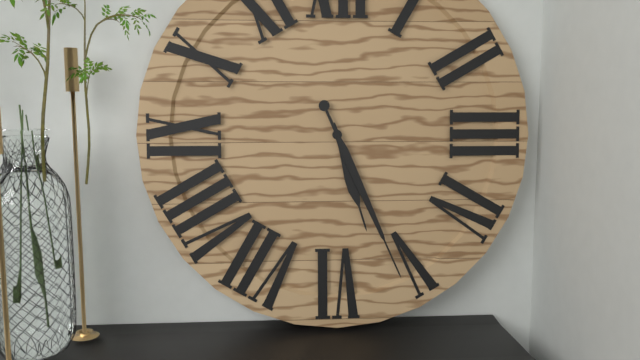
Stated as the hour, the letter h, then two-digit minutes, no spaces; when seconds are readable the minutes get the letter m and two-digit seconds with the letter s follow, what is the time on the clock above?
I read 5h26
